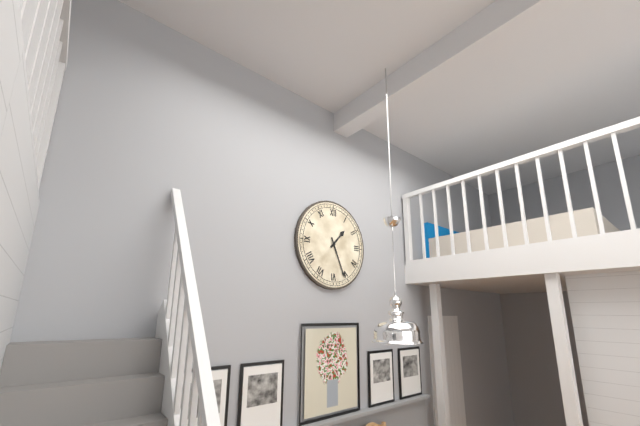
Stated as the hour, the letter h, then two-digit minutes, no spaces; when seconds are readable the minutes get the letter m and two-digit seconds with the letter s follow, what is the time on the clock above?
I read 1h26
